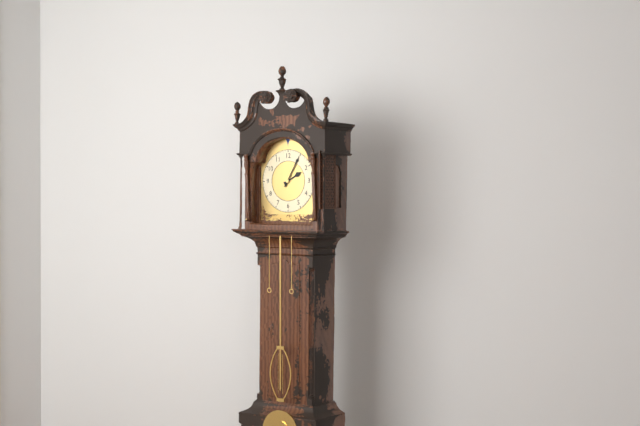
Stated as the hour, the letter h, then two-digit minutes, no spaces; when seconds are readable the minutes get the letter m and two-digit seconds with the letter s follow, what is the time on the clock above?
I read 2h05
